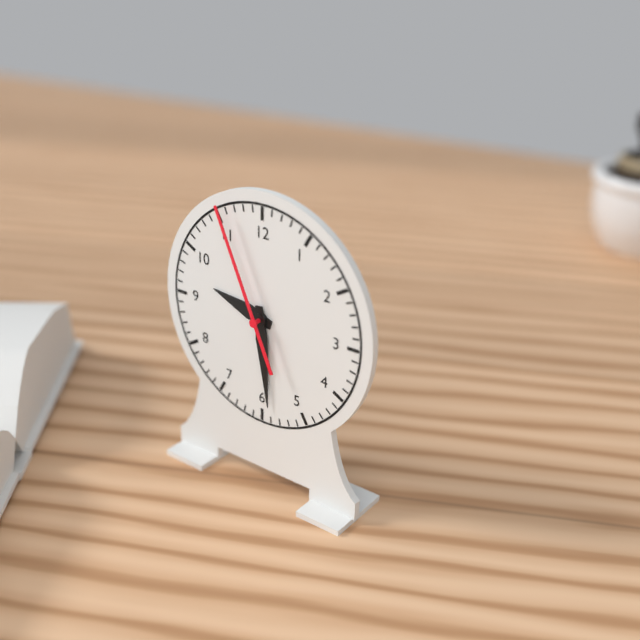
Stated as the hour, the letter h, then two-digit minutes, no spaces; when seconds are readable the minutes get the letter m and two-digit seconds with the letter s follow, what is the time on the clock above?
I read 9h29m56s
